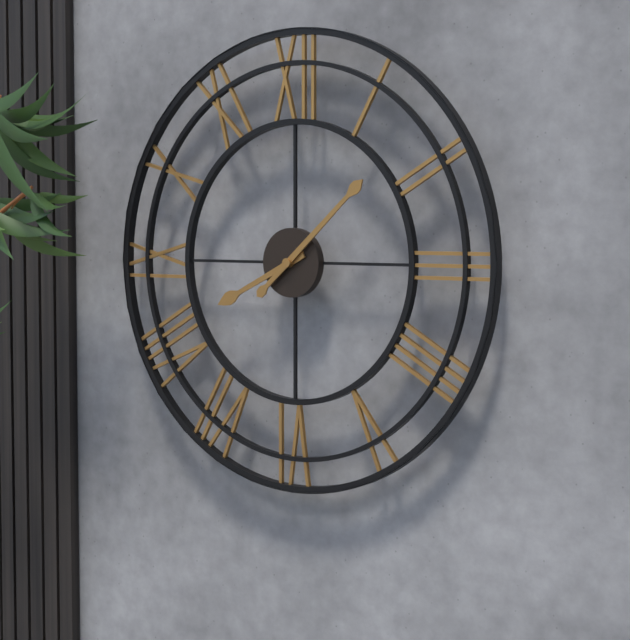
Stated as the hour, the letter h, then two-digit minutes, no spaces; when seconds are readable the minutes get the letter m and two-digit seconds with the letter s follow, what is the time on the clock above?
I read 8h08
